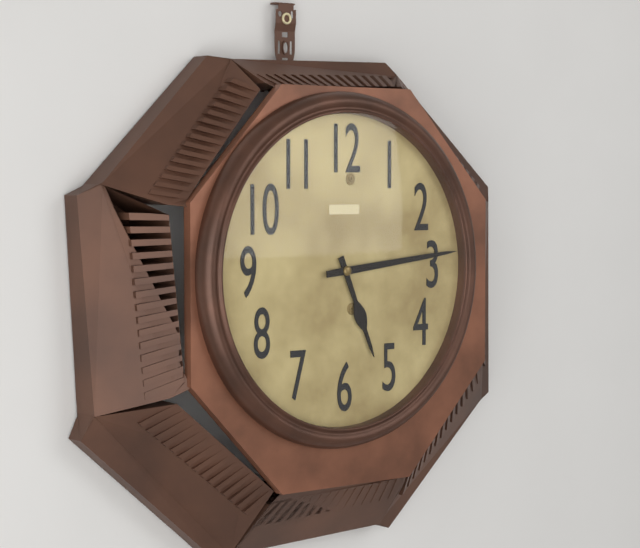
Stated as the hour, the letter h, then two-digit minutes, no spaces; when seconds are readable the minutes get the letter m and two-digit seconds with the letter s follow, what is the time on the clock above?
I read 5h14
